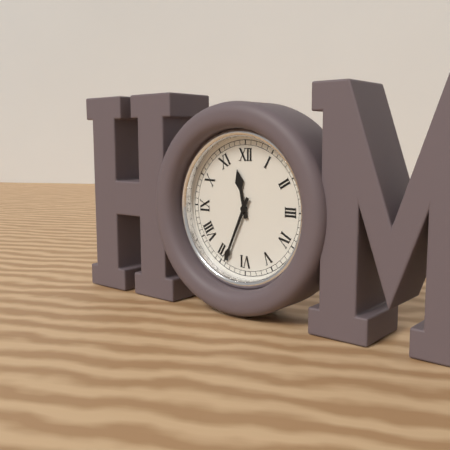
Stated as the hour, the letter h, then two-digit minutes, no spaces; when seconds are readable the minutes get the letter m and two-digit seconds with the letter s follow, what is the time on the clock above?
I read 11h34
